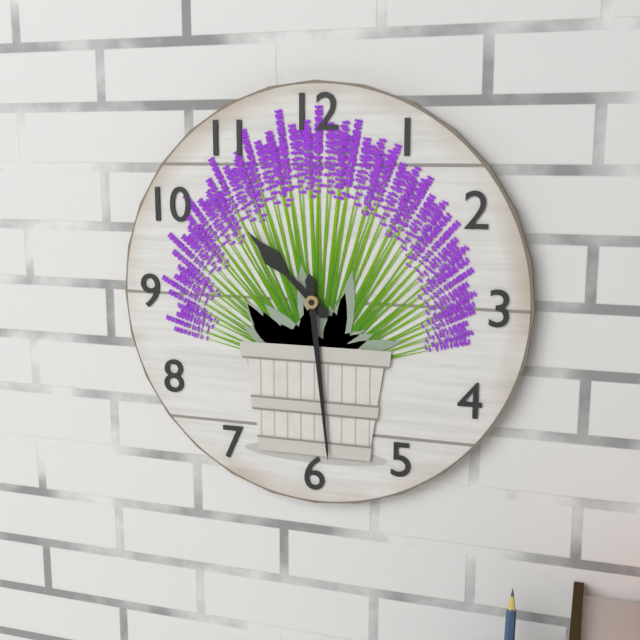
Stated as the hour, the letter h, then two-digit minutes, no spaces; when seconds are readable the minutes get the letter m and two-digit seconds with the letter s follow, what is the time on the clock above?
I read 10h29
